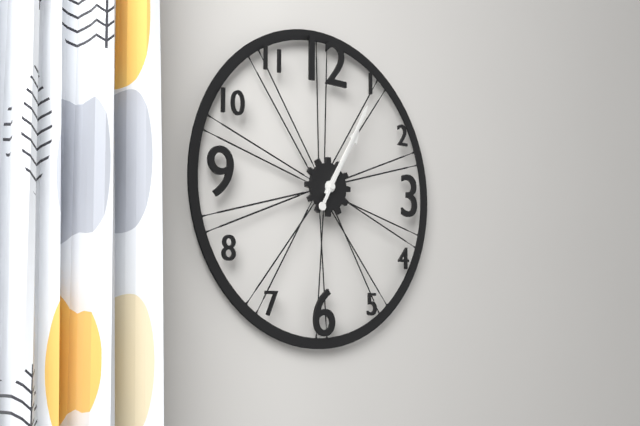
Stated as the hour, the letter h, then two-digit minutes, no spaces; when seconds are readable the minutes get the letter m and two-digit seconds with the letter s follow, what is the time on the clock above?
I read 1h05
